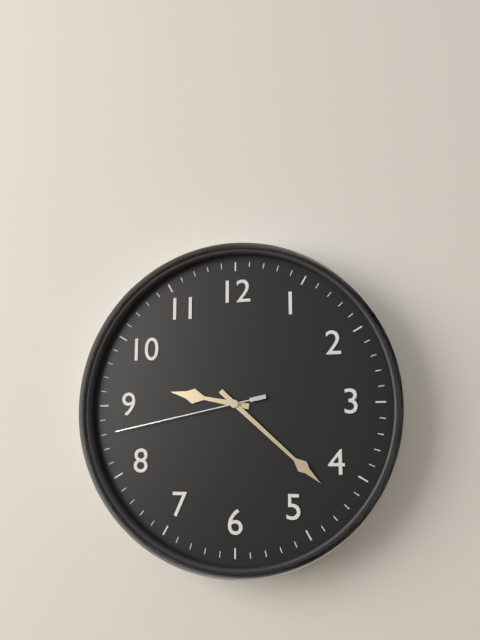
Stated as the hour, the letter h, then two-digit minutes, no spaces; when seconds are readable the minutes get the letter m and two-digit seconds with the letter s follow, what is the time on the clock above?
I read 9h22m43s
